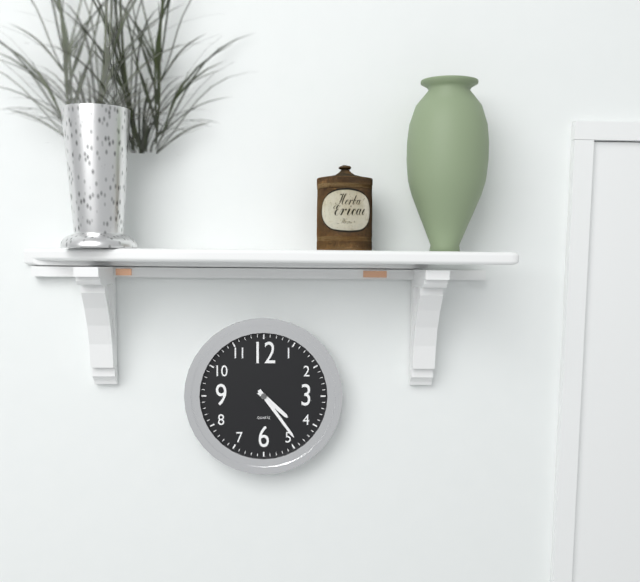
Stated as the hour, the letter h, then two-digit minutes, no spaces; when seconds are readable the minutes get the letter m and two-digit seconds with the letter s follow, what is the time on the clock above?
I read 4h24
